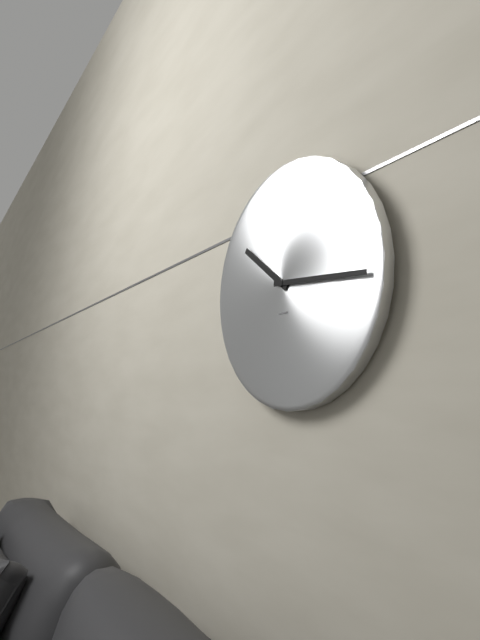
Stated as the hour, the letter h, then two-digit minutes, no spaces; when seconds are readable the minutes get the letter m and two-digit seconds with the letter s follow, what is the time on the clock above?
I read 10h16
